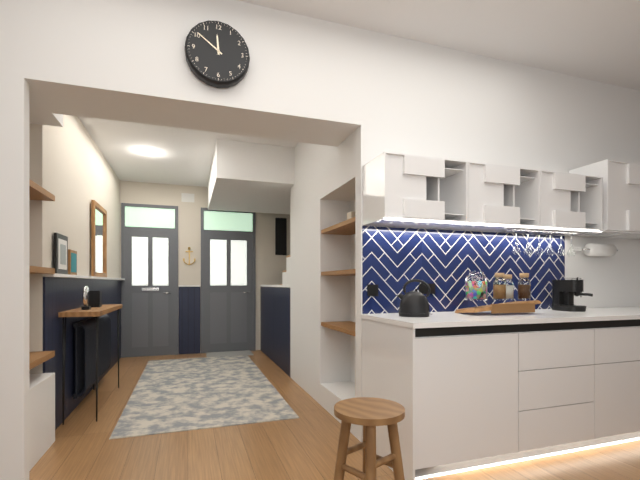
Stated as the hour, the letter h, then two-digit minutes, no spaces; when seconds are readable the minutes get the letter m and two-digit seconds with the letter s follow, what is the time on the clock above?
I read 11h51
